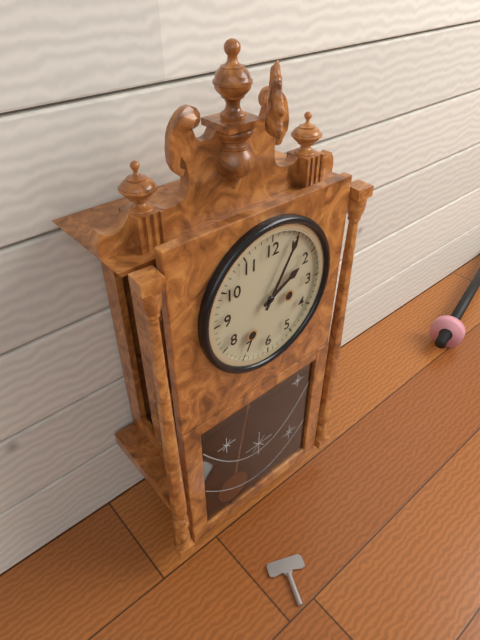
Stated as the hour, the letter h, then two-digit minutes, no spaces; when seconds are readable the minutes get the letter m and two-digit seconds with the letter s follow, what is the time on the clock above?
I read 2h05
